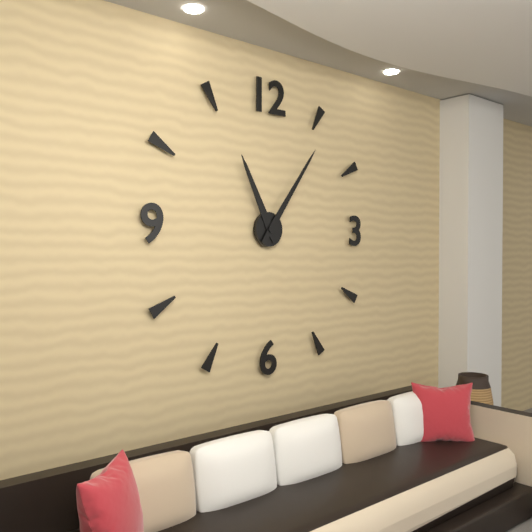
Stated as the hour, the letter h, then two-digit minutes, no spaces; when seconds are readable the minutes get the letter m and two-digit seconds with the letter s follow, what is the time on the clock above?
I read 11h06
